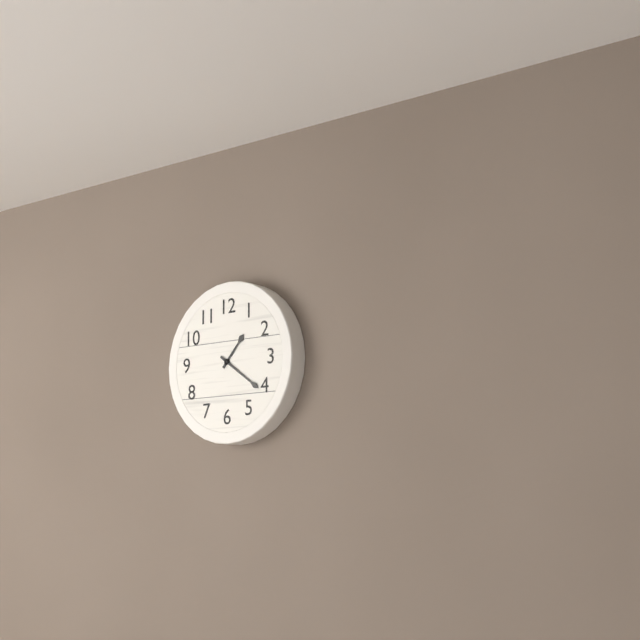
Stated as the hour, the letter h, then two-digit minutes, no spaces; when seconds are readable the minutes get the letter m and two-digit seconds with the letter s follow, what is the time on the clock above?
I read 1h21
